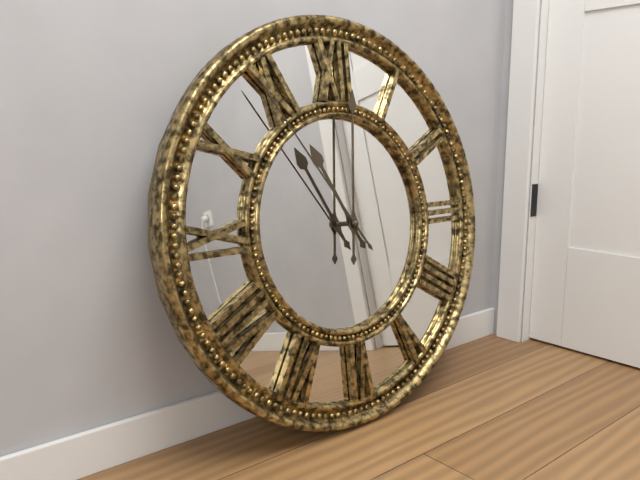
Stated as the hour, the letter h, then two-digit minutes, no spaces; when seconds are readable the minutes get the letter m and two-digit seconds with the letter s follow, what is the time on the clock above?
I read 11h01m54s
